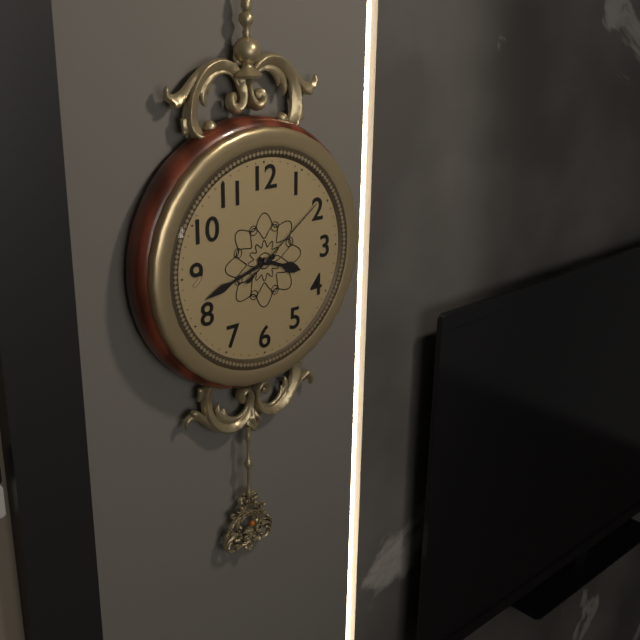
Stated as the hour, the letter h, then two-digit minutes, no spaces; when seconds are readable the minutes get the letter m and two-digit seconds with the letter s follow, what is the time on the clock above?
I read 3h42m09s
